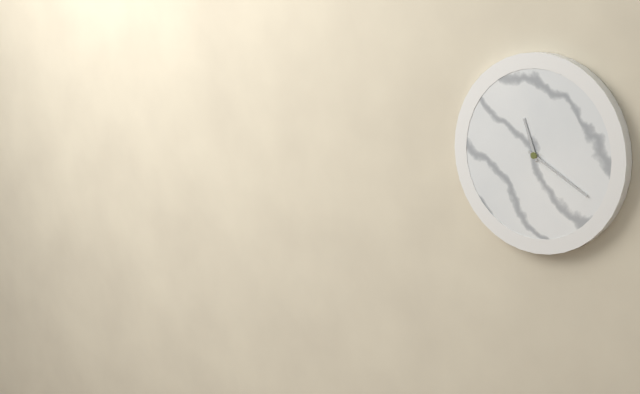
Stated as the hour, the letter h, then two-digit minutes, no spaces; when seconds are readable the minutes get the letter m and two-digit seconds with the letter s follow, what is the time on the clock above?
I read 11h20
